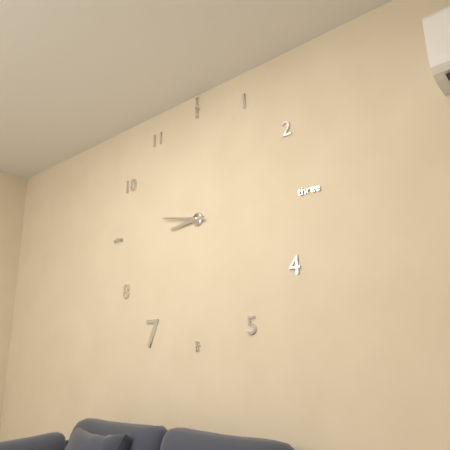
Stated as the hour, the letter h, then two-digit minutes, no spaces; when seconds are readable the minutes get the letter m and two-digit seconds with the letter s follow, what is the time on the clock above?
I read 8h47
